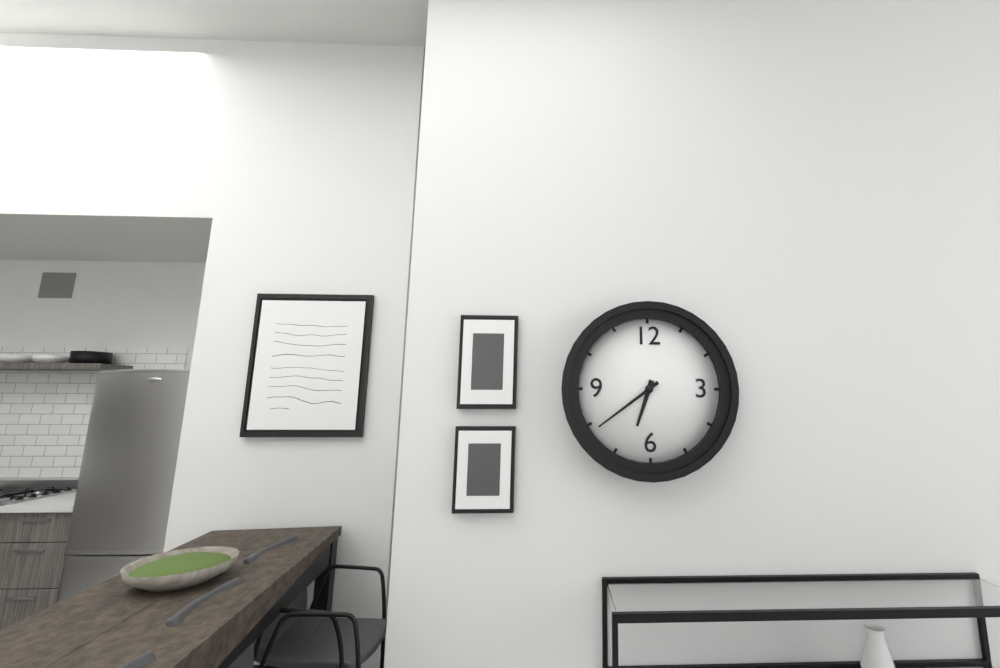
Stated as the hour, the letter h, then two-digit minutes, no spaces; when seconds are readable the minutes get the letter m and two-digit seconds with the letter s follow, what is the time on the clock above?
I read 6h39
